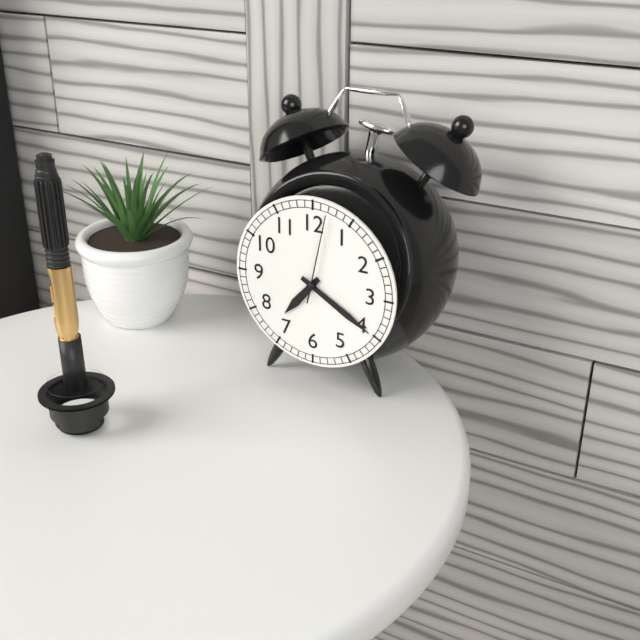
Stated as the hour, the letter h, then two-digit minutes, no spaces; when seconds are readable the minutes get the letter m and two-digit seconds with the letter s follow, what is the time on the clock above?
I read 7h20m02s
